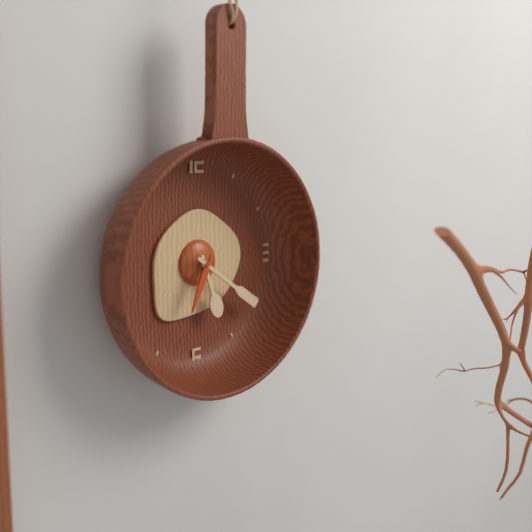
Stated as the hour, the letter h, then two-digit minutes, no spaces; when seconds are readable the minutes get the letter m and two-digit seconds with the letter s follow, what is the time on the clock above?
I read 5h21m34s
